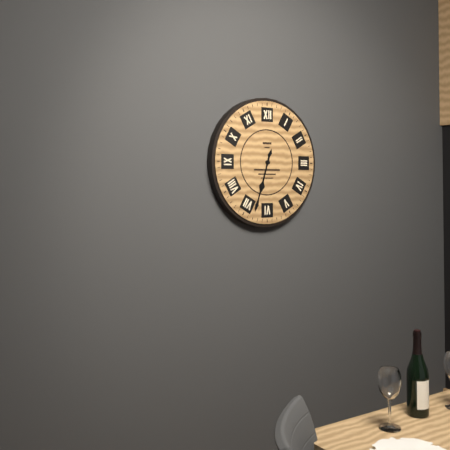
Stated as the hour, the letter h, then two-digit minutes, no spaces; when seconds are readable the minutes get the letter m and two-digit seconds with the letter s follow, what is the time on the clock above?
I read 6h33
